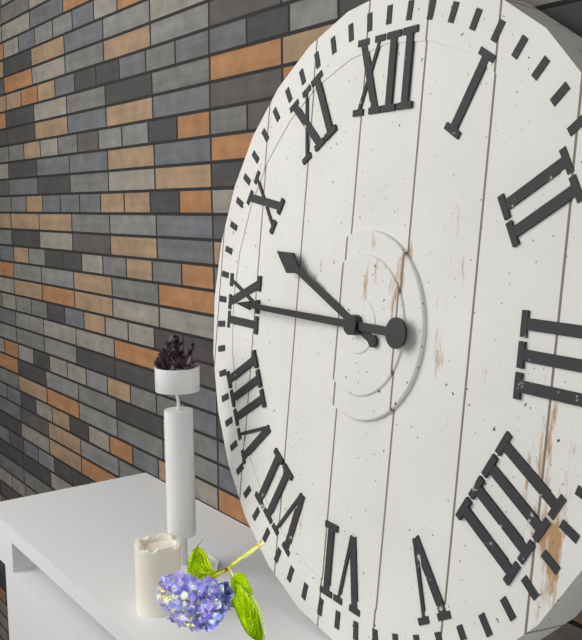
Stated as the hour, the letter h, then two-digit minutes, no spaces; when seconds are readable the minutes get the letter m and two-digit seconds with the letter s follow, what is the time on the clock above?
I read 9h45
